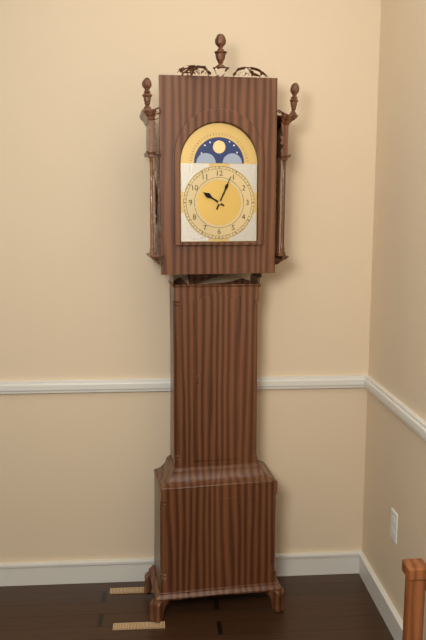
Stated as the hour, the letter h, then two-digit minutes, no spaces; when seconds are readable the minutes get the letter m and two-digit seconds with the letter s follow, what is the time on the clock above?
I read 10h04
